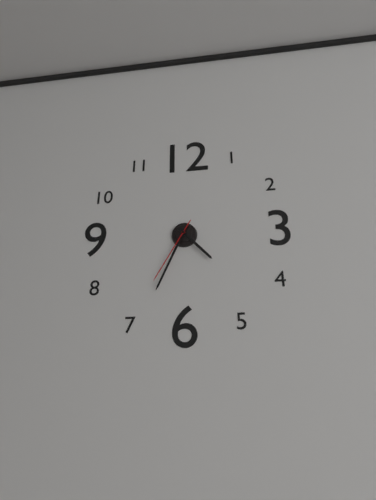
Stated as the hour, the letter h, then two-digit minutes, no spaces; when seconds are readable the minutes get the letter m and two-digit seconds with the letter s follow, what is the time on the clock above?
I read 4h34m35s
